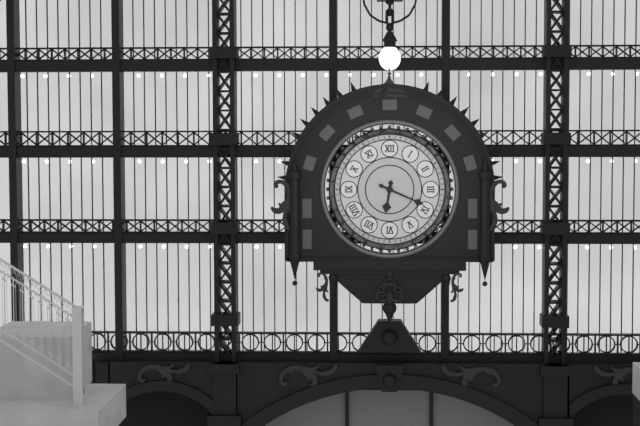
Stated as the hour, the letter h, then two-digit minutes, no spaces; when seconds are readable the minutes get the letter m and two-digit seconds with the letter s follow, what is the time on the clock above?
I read 6h19
